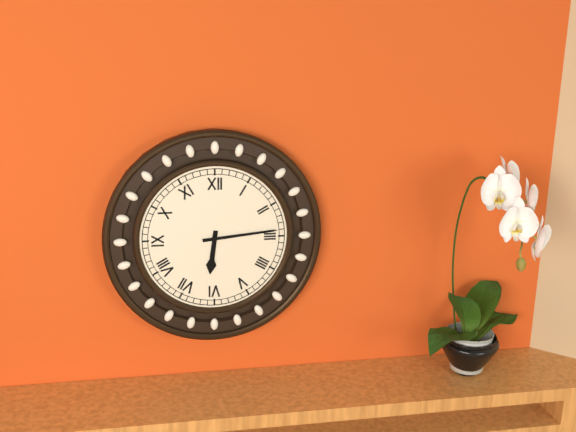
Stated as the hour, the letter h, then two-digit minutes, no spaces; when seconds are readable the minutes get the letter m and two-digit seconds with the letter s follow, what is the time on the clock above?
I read 6h14
